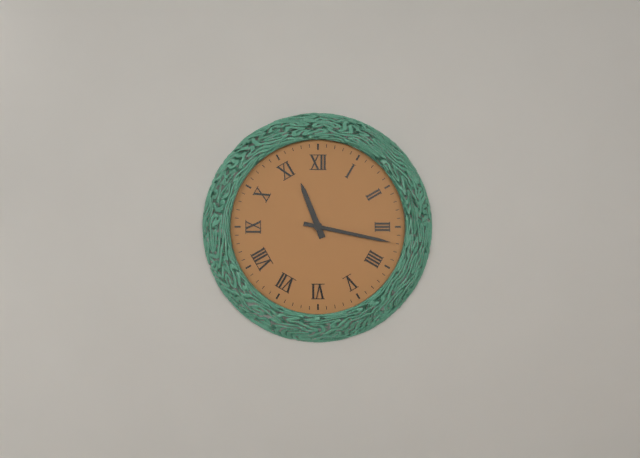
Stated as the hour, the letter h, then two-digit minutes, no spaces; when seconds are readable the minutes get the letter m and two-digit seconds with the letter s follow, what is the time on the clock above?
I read 11h17
